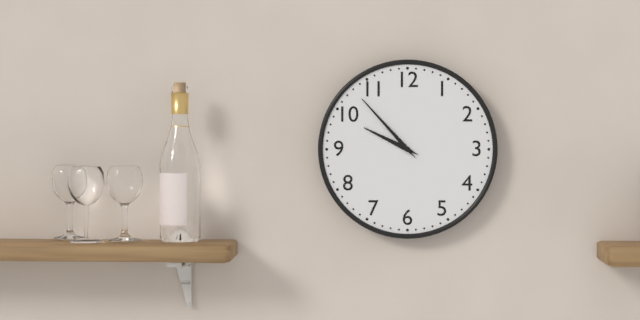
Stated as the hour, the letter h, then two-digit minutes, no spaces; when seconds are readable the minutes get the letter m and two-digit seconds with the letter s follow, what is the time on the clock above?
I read 9h53
